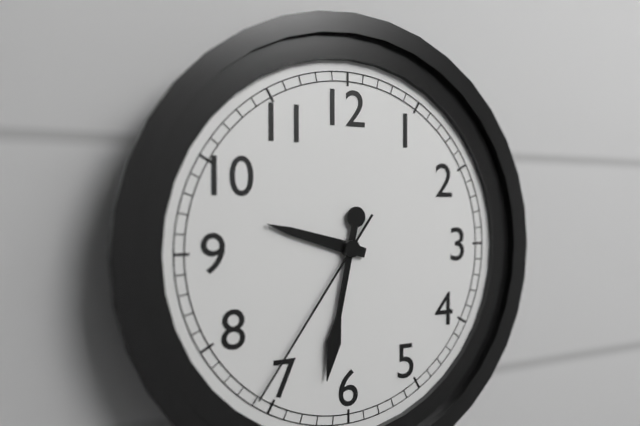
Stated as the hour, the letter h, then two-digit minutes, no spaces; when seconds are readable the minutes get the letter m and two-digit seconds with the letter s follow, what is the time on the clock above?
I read 9h32m36s
